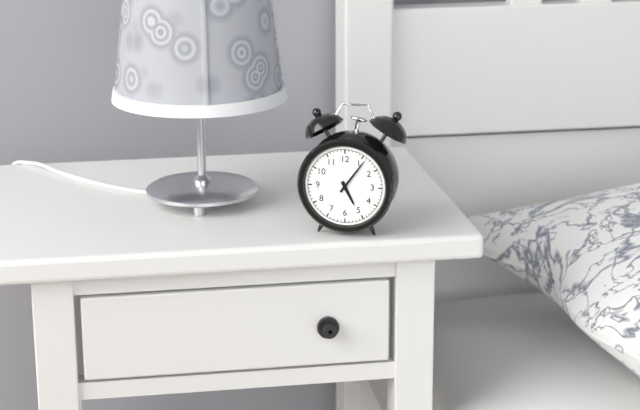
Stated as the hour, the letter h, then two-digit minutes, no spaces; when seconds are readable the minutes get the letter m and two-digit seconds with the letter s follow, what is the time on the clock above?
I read 5h06
